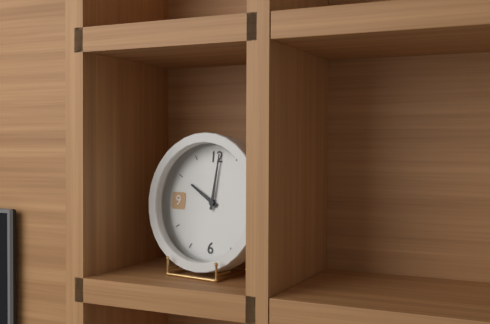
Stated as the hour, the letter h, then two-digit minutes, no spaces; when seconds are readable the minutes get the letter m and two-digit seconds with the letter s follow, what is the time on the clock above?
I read 10h01
